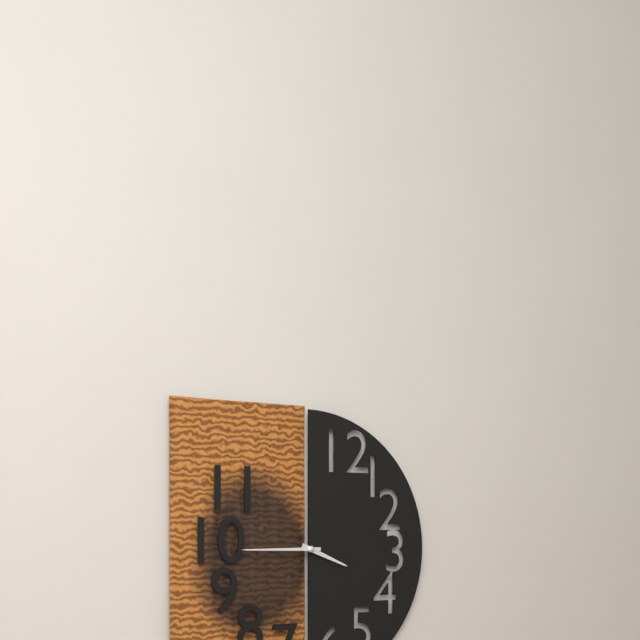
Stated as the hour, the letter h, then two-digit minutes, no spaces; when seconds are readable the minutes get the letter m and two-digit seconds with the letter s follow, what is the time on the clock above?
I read 3h45
